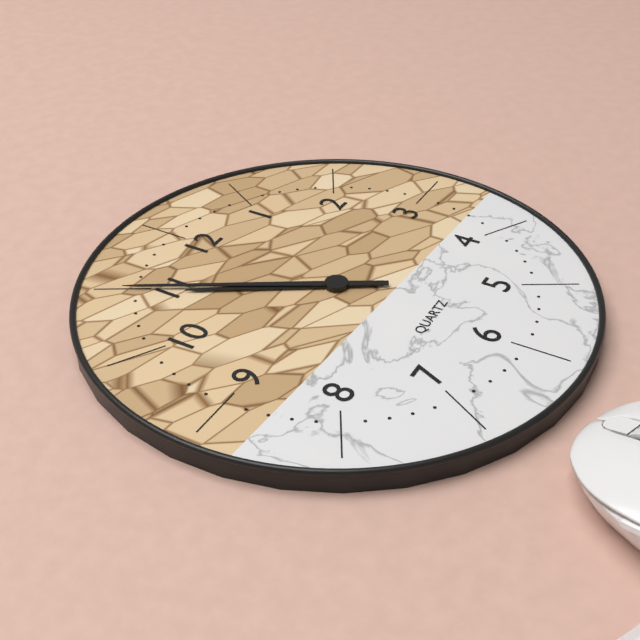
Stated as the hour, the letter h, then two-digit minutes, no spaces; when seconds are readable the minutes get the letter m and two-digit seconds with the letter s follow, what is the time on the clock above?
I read 10h55
